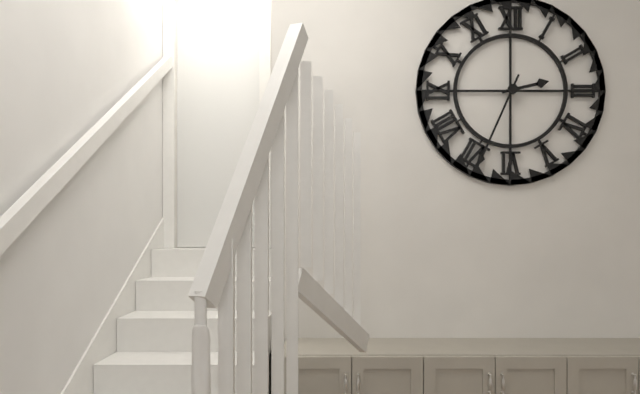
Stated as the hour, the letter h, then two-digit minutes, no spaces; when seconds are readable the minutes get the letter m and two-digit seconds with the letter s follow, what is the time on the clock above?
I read 2h34
